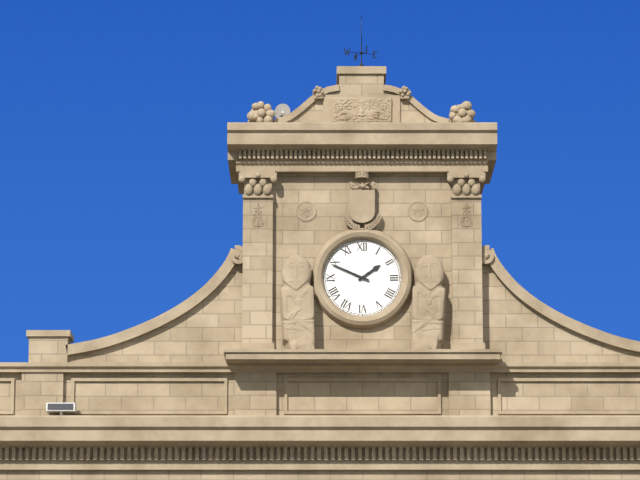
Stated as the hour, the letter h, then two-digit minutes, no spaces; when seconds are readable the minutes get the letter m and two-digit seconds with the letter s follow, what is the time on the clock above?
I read 1h49
